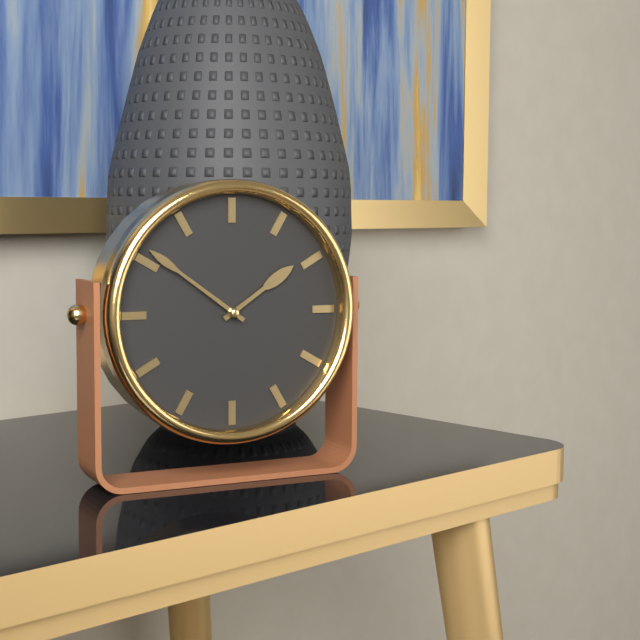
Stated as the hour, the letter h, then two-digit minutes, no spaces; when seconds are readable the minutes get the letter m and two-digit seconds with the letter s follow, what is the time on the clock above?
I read 1h51
